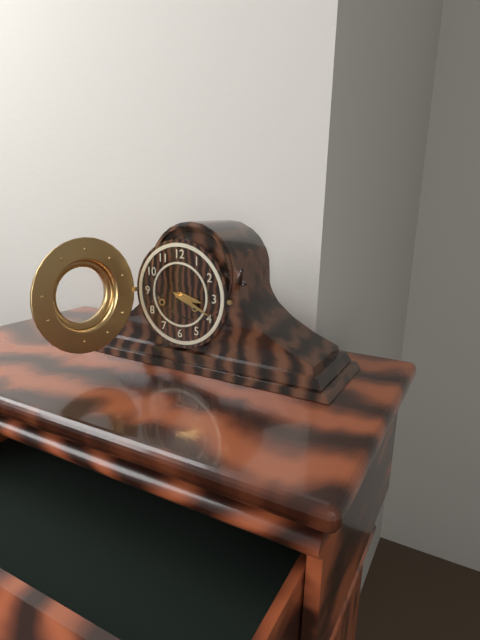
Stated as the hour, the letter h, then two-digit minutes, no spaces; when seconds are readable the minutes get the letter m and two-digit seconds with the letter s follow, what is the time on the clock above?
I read 3h19
